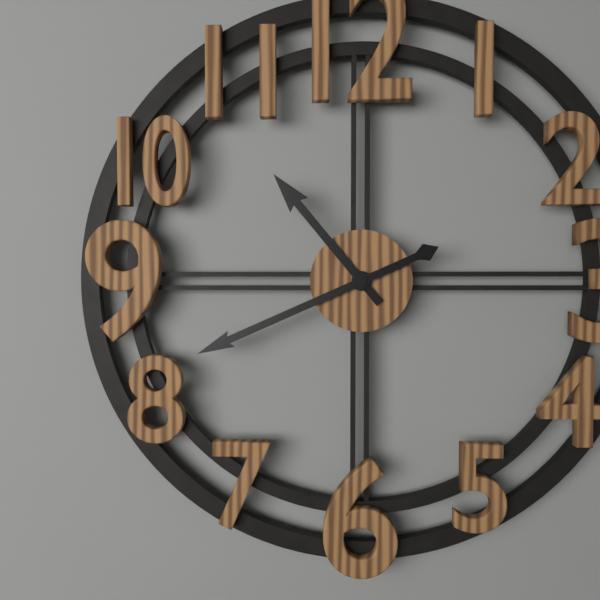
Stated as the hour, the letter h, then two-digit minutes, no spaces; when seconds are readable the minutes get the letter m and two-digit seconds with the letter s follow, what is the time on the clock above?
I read 10h41
